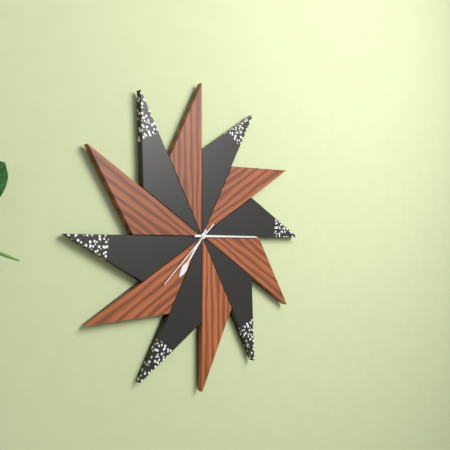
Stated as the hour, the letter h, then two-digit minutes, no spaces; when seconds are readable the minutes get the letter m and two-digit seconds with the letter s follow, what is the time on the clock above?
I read 7h15m38s
